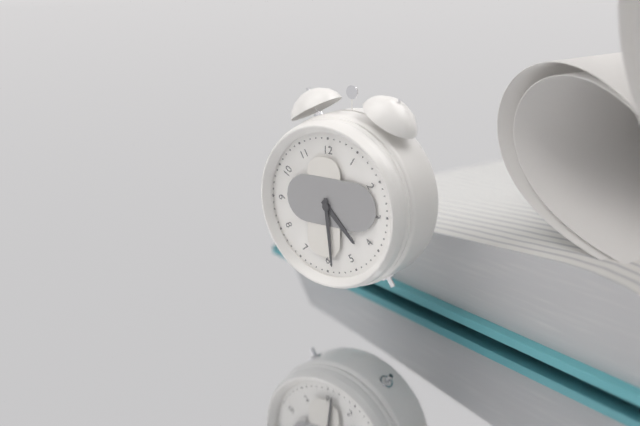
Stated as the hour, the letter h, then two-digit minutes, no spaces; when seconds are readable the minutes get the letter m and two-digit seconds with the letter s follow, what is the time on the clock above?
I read 4h29
